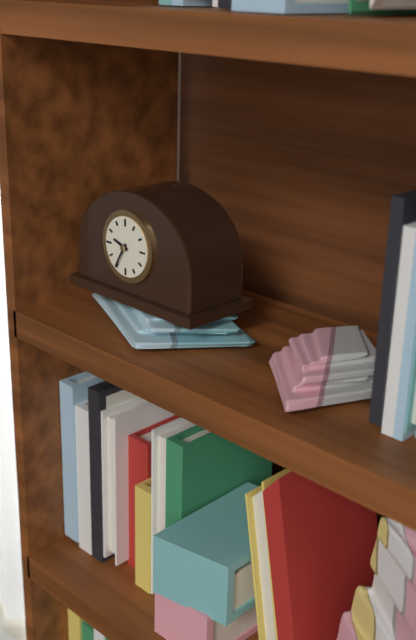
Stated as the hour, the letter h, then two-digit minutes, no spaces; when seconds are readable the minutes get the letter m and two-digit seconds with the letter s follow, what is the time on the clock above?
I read 9h35
